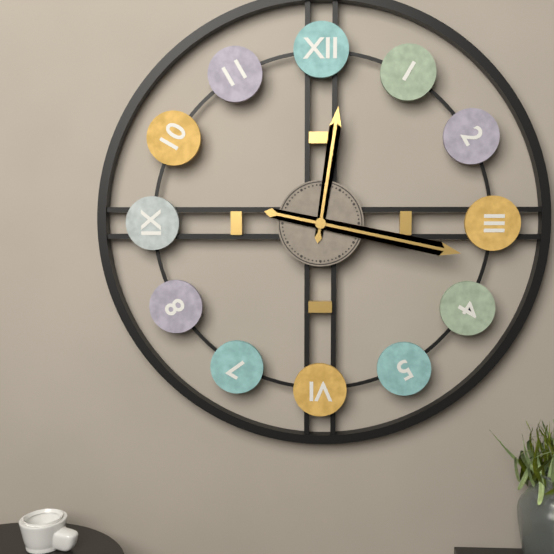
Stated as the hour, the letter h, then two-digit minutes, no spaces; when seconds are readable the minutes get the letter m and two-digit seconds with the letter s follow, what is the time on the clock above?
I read 12h17
